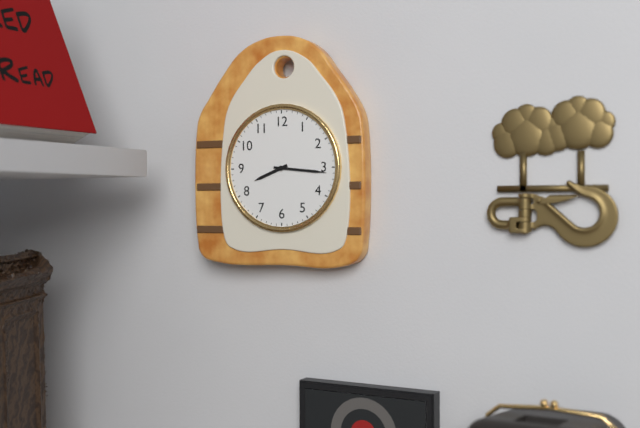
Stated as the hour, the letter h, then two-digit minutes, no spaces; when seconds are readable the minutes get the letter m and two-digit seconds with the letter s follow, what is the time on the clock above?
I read 8h16
